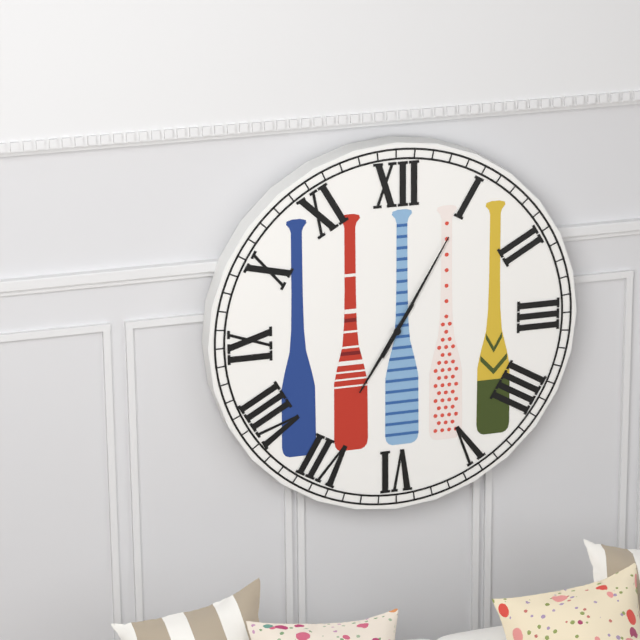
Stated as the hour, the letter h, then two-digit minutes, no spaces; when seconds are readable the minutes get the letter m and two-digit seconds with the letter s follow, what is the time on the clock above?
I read 7h05
